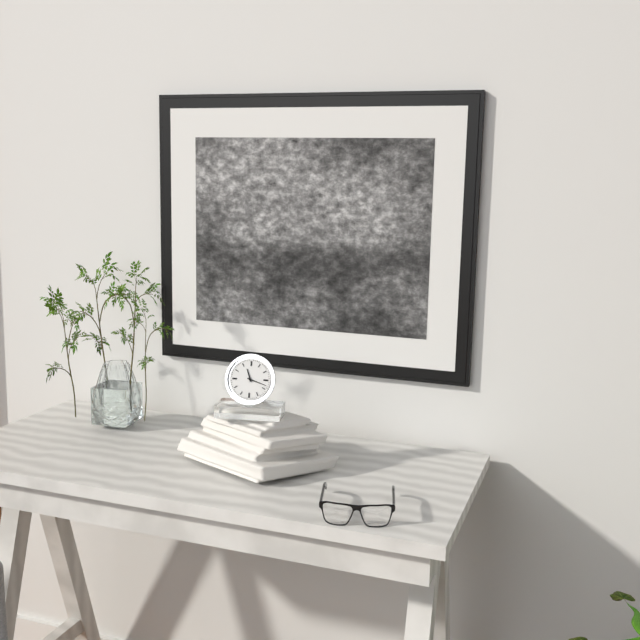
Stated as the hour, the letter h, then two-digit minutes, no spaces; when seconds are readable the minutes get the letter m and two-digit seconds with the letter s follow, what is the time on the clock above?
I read 11h18
